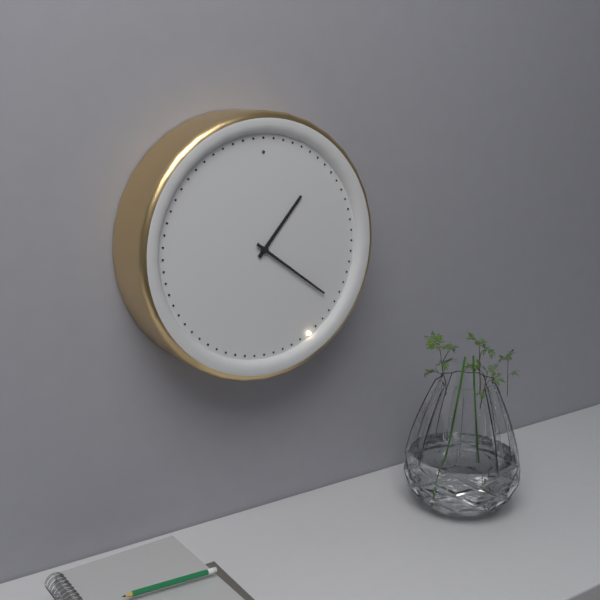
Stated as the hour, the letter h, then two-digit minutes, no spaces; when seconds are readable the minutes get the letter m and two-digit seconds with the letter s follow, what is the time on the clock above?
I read 1h21
